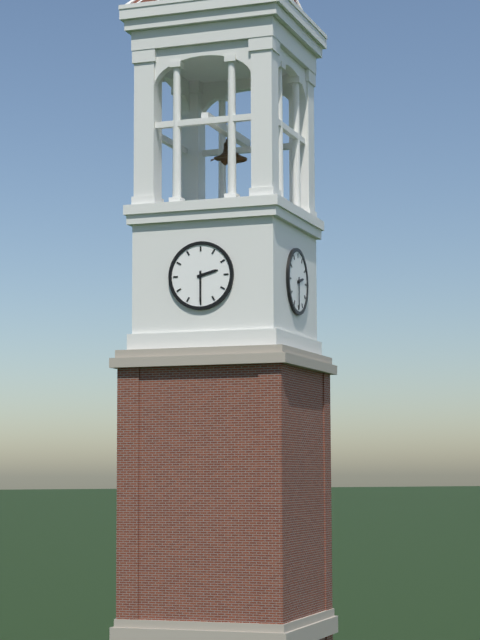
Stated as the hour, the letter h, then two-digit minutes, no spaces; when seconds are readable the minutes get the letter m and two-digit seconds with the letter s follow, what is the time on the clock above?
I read 2h30
